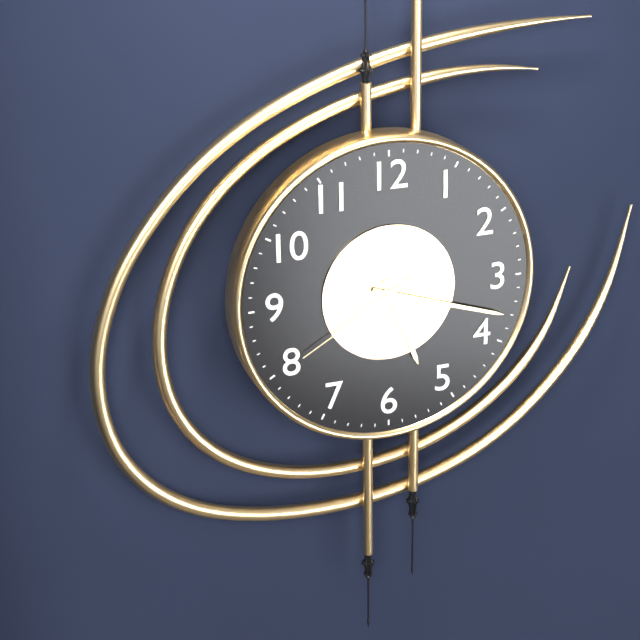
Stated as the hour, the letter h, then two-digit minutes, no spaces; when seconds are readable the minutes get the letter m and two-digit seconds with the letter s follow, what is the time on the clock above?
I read 5h18m40s
